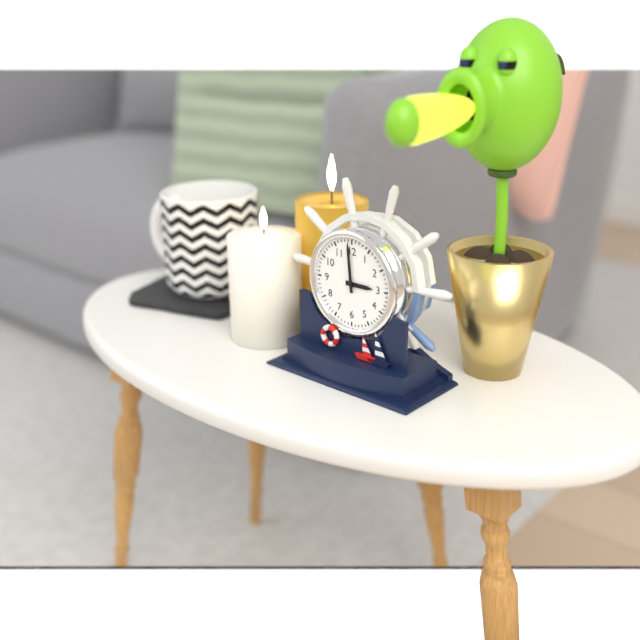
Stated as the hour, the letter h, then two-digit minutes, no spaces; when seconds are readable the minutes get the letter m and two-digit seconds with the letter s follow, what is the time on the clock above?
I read 2h59
